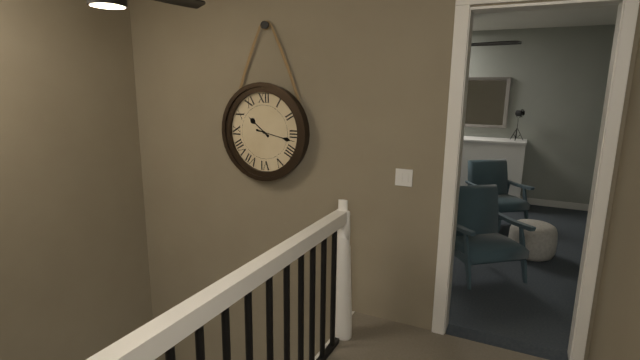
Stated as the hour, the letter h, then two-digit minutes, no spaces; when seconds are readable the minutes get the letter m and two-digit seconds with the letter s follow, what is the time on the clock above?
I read 10h17
